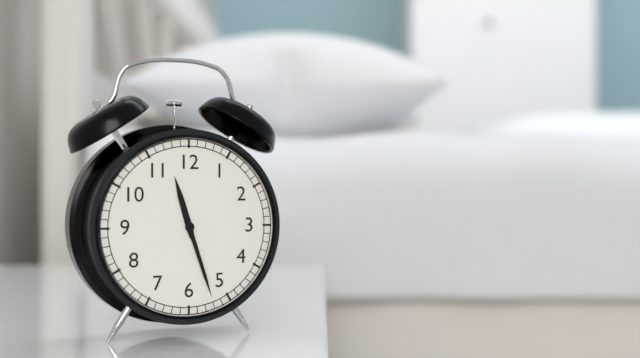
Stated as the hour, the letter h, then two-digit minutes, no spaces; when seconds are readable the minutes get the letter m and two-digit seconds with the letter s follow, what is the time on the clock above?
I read 11h27
